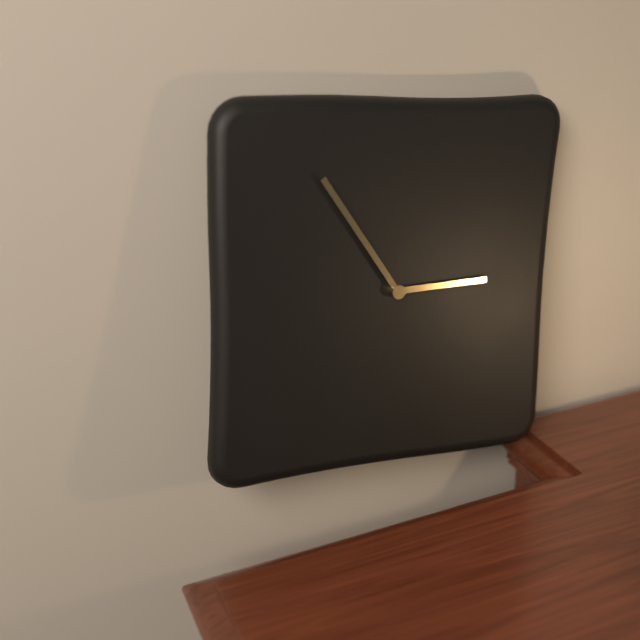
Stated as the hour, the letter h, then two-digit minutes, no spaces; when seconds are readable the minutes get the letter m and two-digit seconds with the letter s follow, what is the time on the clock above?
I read 2h54
